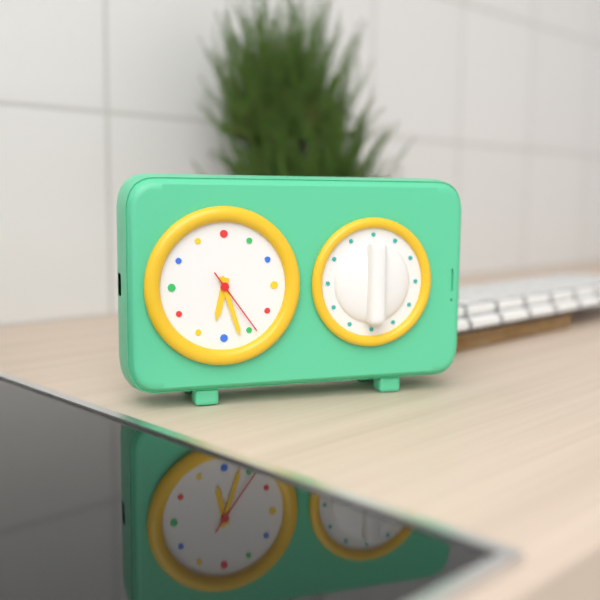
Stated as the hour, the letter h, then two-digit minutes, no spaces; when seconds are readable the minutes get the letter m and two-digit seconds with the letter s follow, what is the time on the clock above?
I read 6h27m24s
